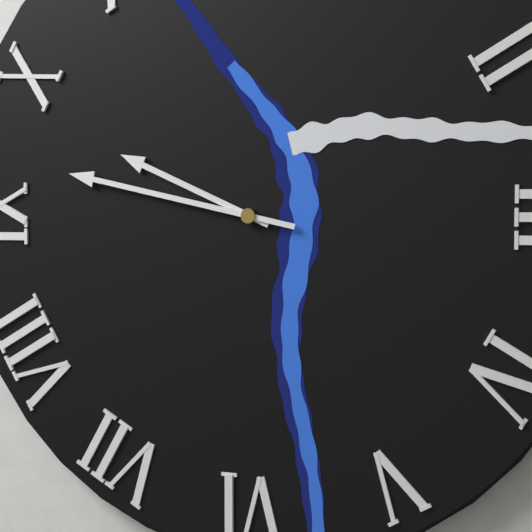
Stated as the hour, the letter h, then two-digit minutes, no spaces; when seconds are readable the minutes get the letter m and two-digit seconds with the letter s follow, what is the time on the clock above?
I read 9h47
